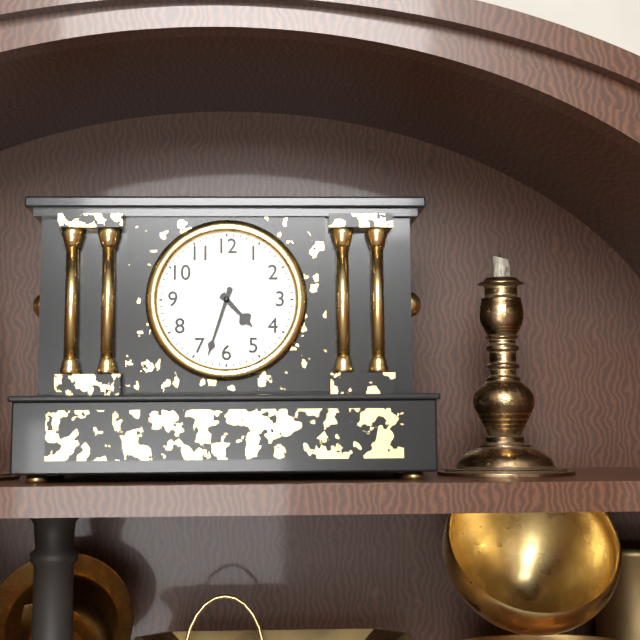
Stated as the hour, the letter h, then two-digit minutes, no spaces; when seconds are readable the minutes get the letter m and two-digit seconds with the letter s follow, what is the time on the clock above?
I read 4h33
